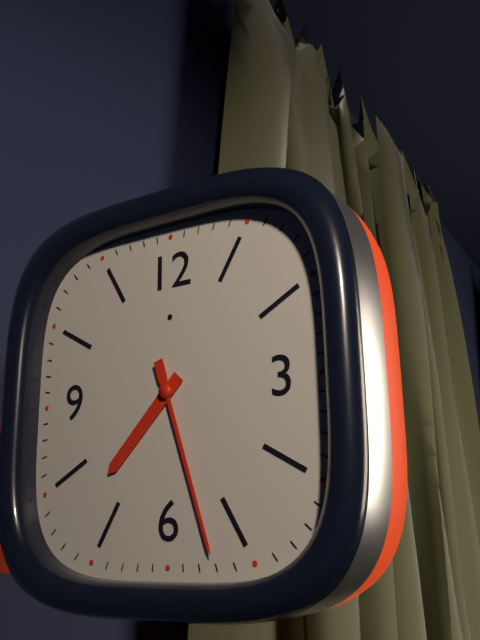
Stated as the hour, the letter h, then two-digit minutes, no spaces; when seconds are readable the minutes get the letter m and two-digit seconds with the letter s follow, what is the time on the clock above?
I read 7h27
